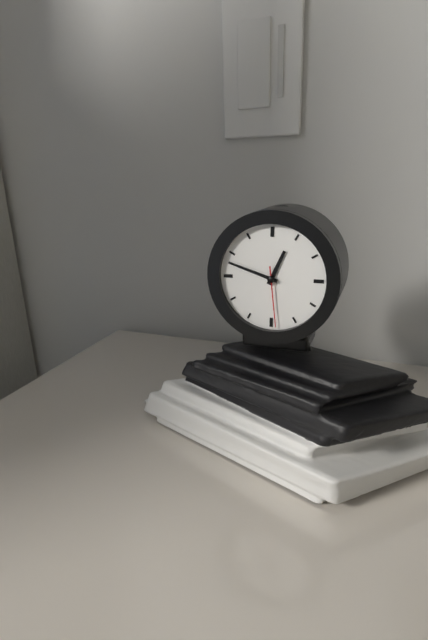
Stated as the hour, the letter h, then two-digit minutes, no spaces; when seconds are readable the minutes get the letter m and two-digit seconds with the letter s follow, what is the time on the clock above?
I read 12h48m29s
